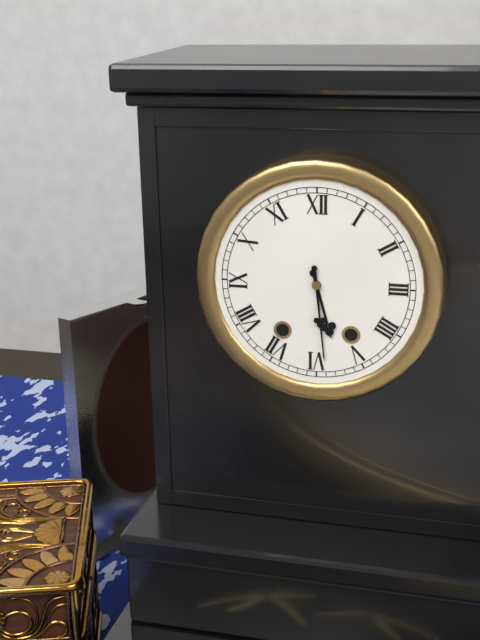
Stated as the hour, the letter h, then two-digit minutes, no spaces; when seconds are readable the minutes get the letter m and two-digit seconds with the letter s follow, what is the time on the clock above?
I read 5h29
